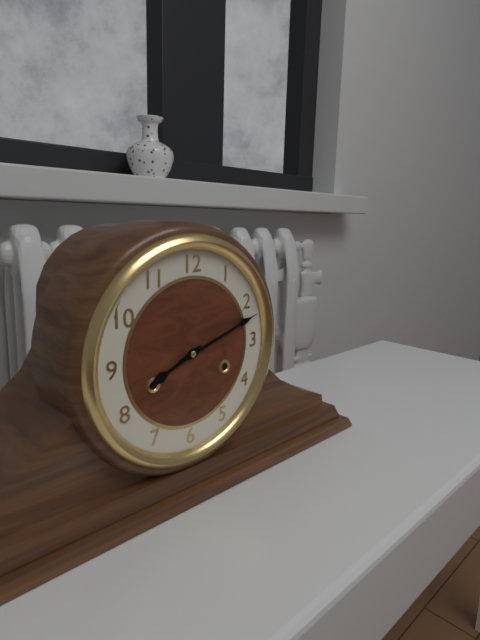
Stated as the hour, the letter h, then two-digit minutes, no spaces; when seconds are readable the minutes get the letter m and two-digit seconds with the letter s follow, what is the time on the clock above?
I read 8h12
